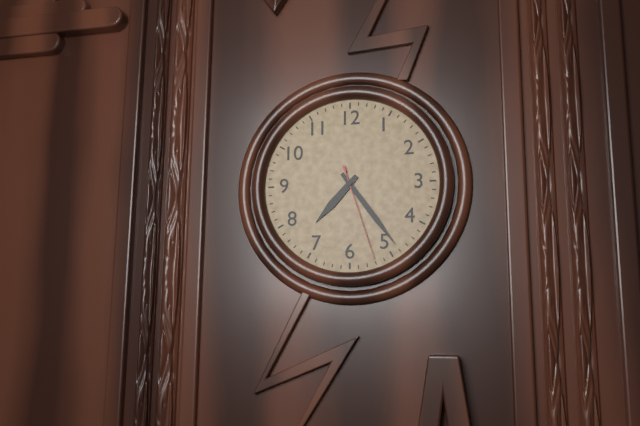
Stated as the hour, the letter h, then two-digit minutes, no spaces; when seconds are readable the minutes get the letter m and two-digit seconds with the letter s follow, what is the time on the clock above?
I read 7h24m27s
